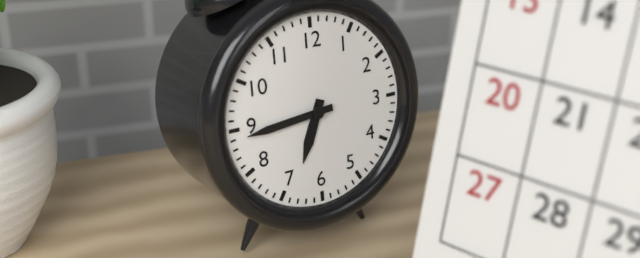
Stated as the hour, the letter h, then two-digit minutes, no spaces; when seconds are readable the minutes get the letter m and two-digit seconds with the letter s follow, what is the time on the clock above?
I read 6h44
